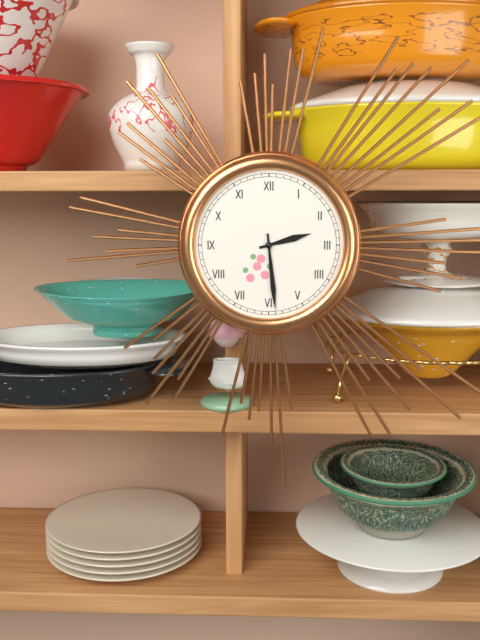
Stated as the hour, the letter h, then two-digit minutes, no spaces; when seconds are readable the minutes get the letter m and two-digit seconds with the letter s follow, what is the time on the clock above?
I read 2h29
